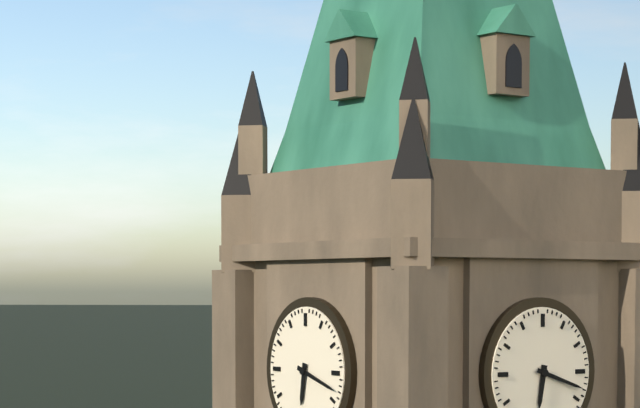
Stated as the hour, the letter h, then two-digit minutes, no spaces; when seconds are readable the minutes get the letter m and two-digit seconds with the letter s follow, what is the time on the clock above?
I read 6h18
